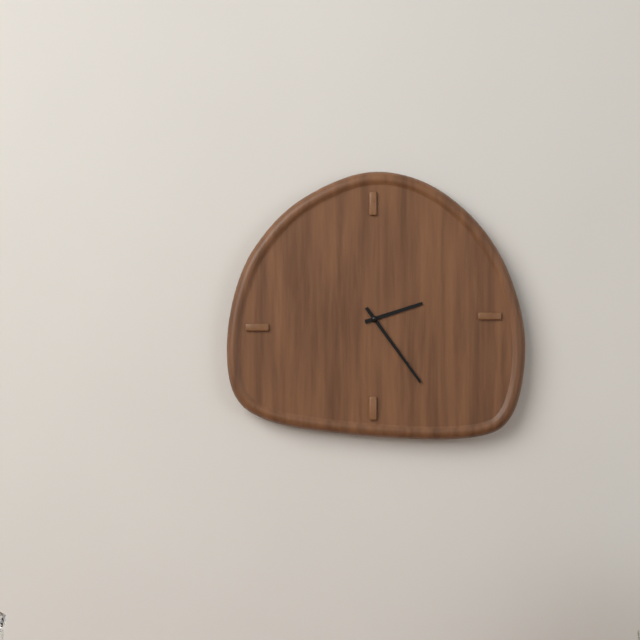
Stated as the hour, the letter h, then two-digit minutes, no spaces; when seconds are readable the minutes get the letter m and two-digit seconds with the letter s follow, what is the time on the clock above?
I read 2h24
